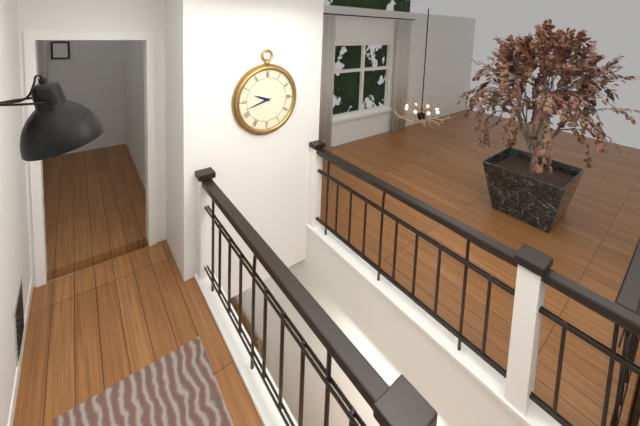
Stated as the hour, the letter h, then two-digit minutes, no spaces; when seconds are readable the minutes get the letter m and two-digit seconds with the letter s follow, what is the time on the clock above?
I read 9h42
